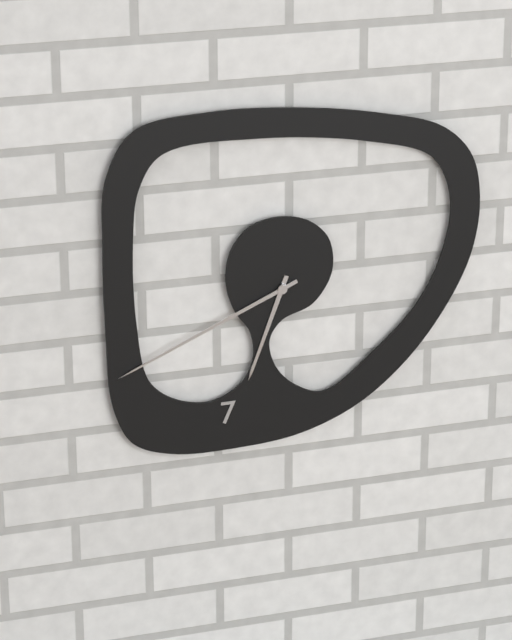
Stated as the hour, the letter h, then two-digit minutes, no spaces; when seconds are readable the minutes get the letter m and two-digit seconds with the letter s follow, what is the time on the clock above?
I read 6h41
